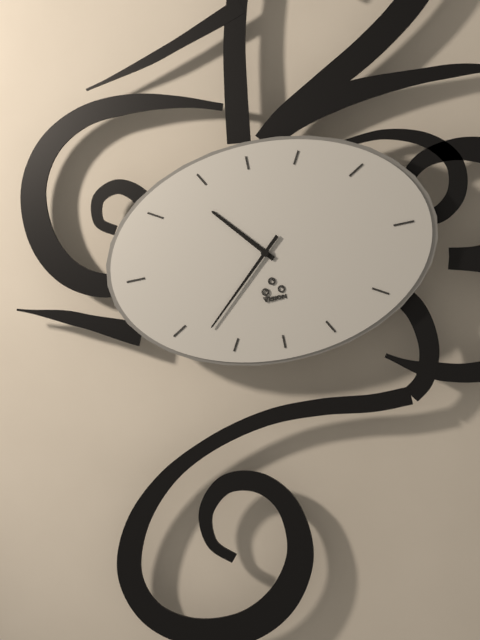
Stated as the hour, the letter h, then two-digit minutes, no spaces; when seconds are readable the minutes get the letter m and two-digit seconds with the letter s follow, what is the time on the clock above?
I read 10h38
